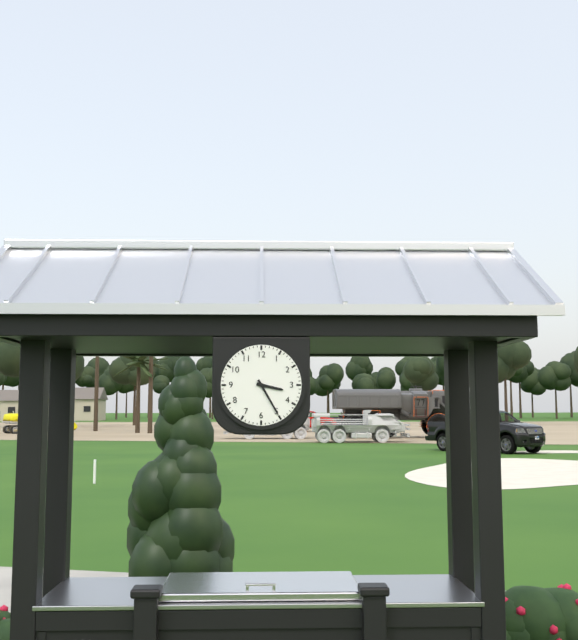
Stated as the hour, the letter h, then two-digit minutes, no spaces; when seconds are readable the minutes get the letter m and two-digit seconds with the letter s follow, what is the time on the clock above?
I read 3h25
